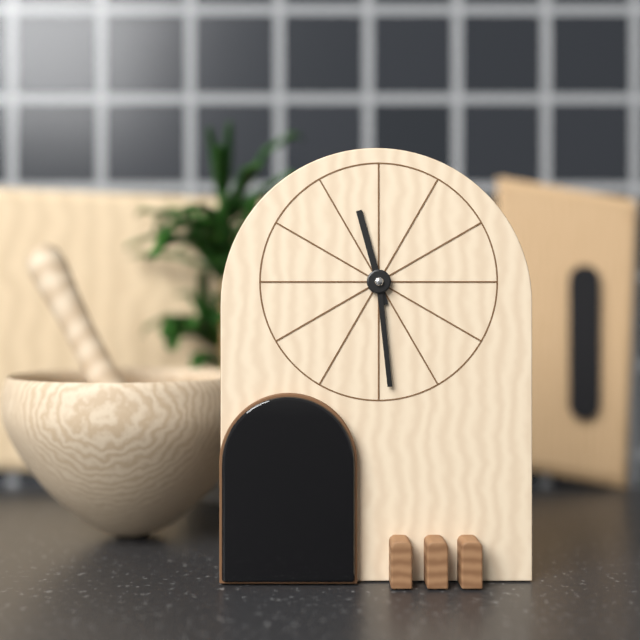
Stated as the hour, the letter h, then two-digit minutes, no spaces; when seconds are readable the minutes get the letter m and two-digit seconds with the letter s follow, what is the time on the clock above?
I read 11h29
